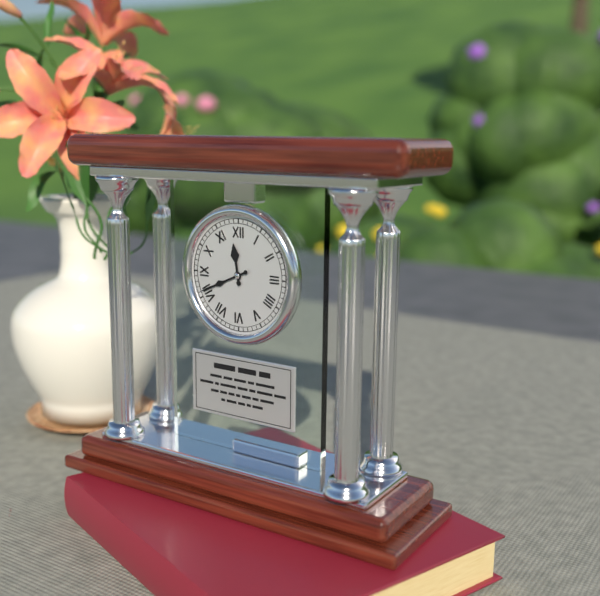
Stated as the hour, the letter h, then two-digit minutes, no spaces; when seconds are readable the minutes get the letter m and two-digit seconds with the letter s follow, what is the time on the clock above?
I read 11h41
